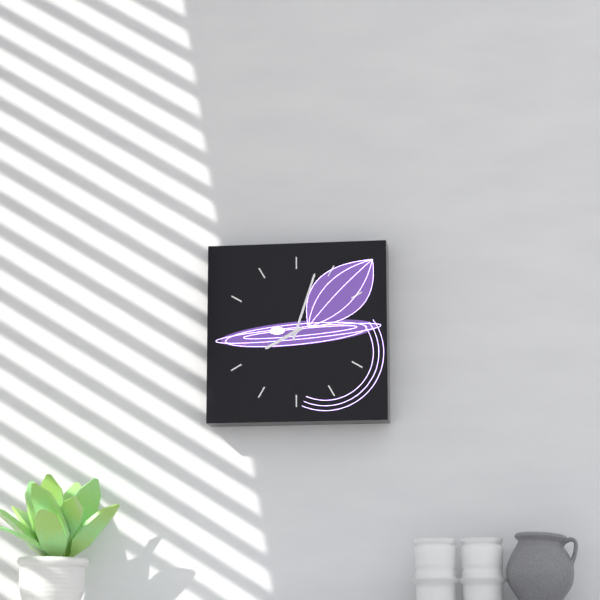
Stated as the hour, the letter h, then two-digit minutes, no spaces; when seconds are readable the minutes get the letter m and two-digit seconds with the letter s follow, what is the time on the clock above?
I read 8h03
